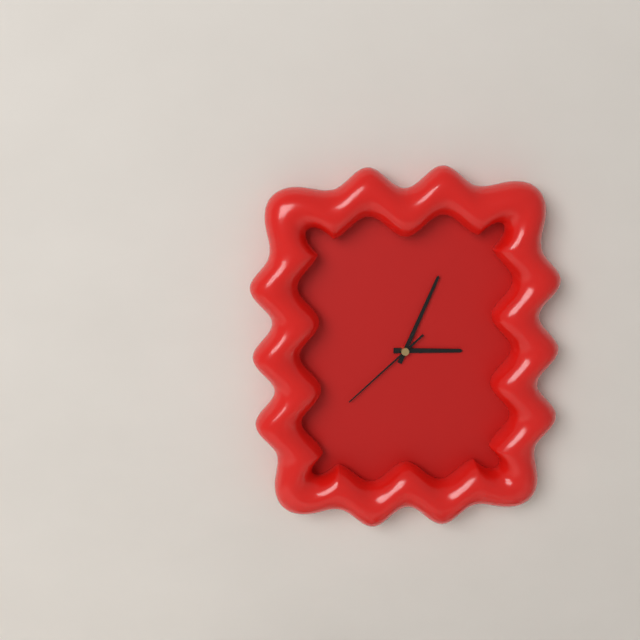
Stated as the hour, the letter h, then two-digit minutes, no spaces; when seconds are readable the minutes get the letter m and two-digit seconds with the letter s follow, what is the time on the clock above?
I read 3h04m38s
